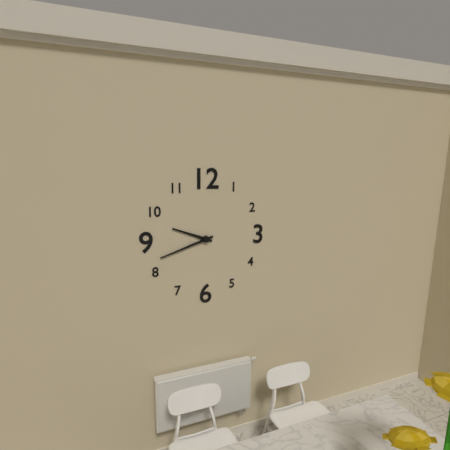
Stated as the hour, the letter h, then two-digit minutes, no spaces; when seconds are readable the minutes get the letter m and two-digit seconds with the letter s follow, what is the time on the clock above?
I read 9h42
